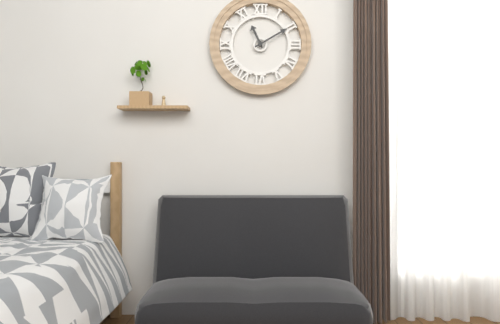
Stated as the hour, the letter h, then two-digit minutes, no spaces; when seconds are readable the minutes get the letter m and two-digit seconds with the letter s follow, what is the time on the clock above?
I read 11h10
